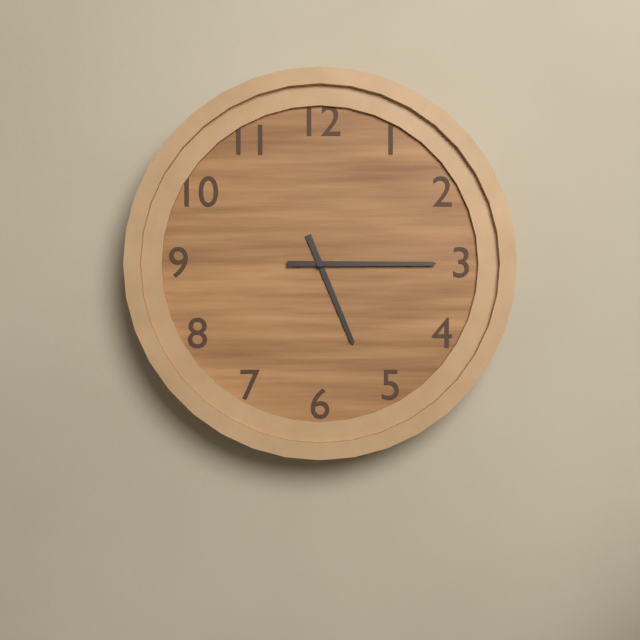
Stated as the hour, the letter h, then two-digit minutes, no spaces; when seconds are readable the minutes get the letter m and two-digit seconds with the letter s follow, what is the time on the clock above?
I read 5h15
